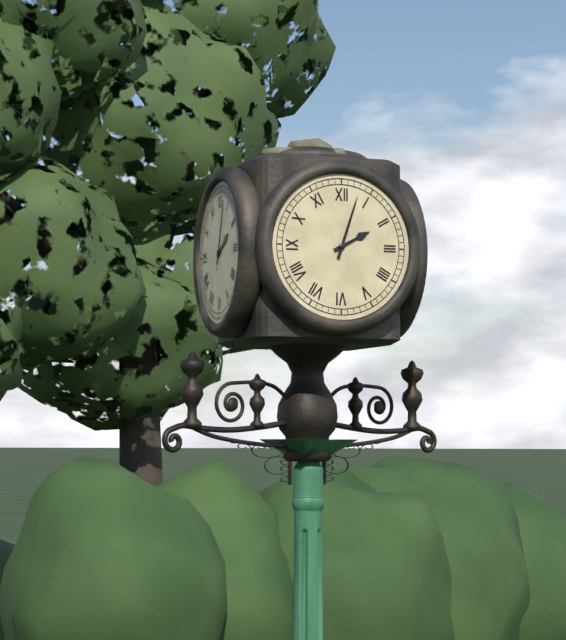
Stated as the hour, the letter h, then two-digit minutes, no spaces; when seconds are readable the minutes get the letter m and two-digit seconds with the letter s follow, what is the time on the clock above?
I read 2h03
